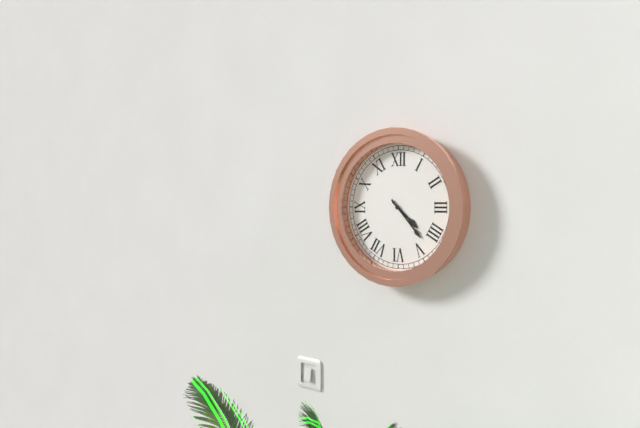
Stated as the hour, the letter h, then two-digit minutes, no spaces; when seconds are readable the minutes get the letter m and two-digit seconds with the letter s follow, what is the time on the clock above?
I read 4h23
